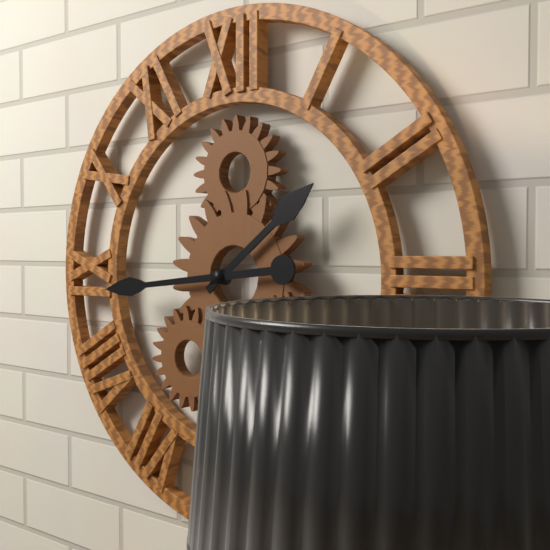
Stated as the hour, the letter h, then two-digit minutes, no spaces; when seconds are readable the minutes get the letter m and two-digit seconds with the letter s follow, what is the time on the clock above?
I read 1h44
